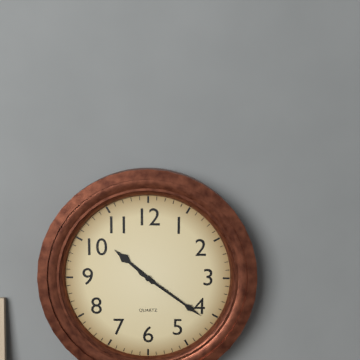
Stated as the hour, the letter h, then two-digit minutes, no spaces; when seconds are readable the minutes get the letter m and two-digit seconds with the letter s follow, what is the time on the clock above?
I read 10h21
